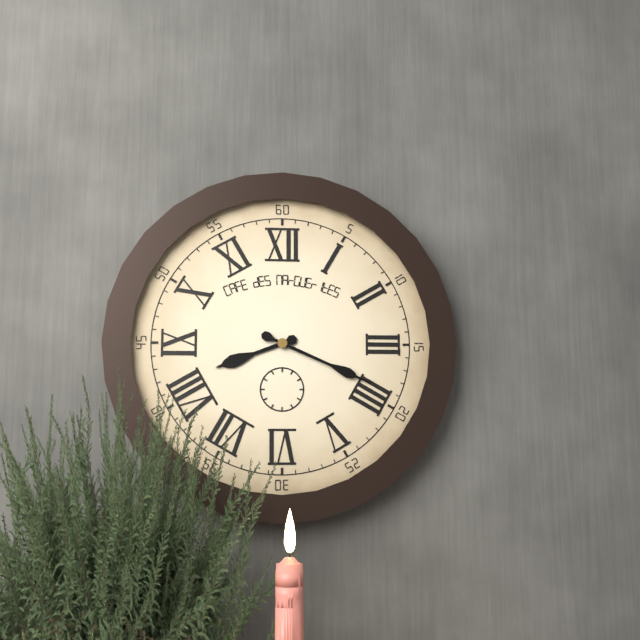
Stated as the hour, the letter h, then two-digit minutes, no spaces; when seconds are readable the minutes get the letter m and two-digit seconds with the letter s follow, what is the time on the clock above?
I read 8h19
